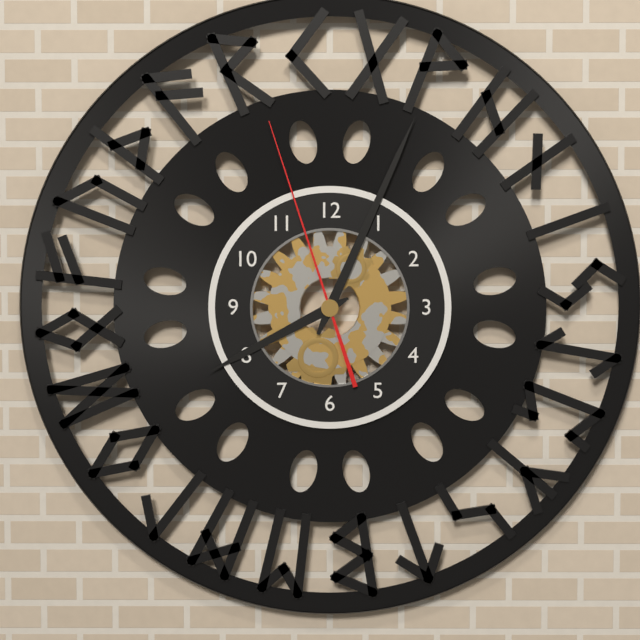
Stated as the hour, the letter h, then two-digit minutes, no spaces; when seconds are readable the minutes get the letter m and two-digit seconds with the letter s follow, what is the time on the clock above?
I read 8h04m57s
